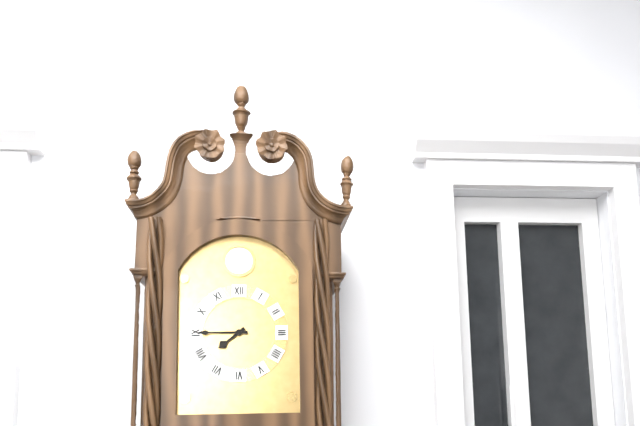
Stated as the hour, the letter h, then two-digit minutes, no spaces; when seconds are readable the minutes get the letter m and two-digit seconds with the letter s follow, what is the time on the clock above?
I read 7h45
